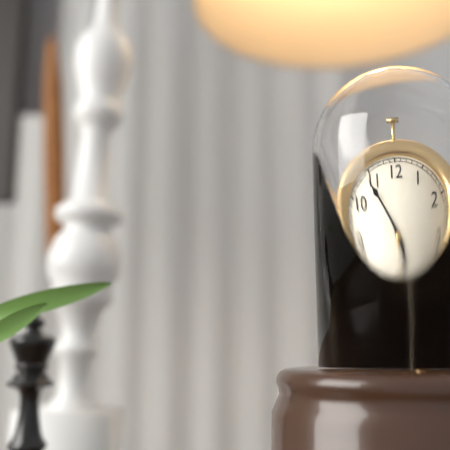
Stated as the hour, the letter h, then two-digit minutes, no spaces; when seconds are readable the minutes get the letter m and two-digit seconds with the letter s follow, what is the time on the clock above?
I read 4h54
